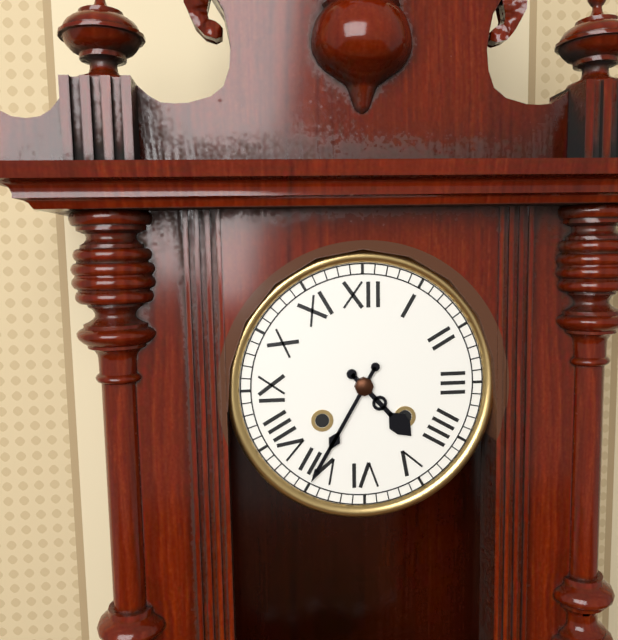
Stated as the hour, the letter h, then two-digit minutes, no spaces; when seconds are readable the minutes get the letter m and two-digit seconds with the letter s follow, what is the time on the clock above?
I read 4h35
